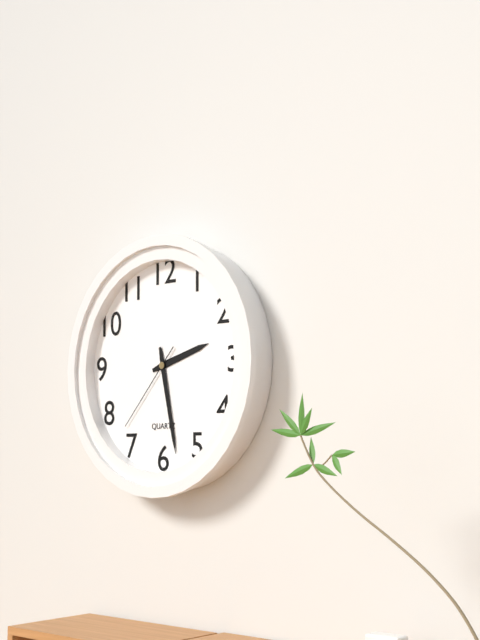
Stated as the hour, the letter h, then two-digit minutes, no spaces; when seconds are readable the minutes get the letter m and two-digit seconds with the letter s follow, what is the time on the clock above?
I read 2h28m37s
